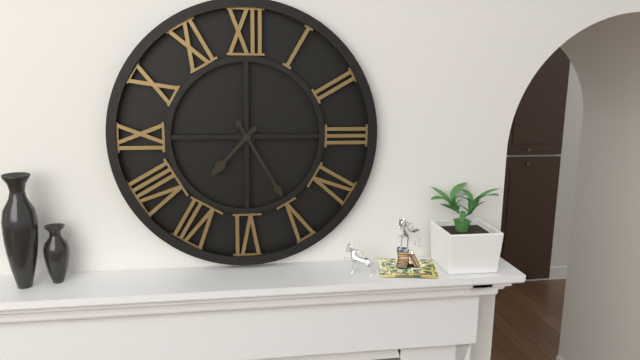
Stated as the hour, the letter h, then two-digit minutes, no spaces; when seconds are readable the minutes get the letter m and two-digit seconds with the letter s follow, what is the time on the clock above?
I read 7h25
